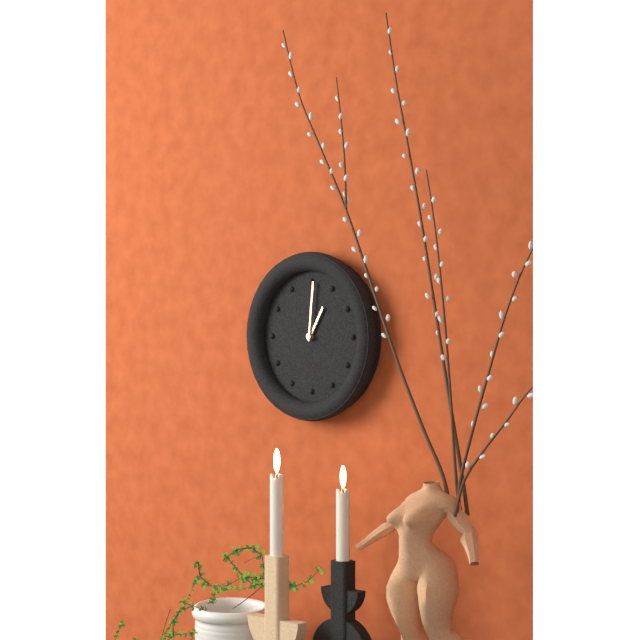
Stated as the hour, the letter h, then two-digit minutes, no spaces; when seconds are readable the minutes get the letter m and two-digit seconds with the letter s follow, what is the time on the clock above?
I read 1h01
